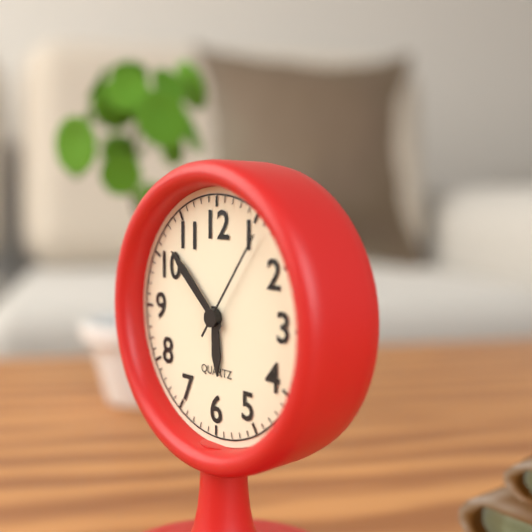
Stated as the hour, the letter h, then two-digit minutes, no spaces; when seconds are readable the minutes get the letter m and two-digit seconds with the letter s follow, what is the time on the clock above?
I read 5h52m06s
